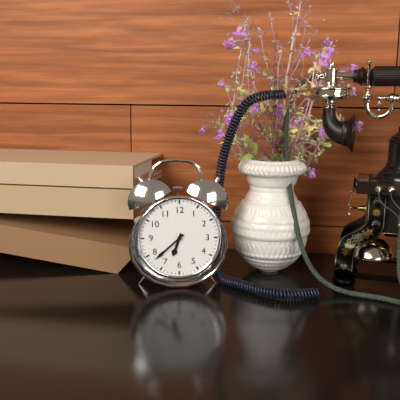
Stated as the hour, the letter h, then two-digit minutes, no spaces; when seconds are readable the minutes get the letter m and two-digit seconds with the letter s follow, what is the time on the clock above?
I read 6h38
